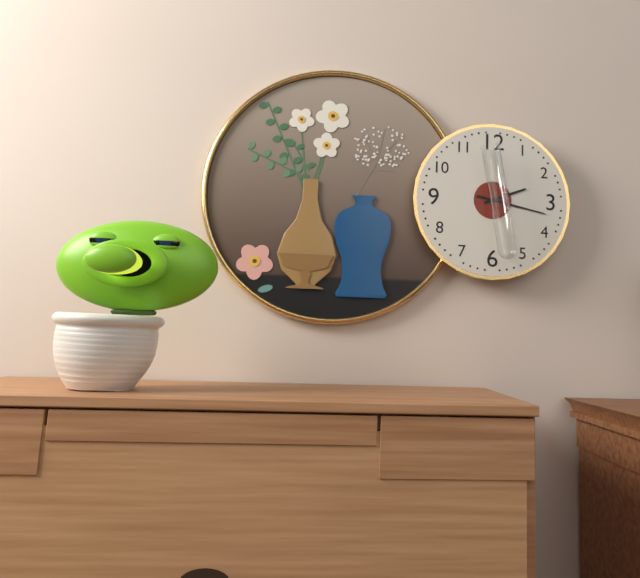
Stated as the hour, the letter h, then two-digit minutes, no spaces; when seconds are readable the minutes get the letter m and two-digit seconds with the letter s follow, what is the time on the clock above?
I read 2h17
